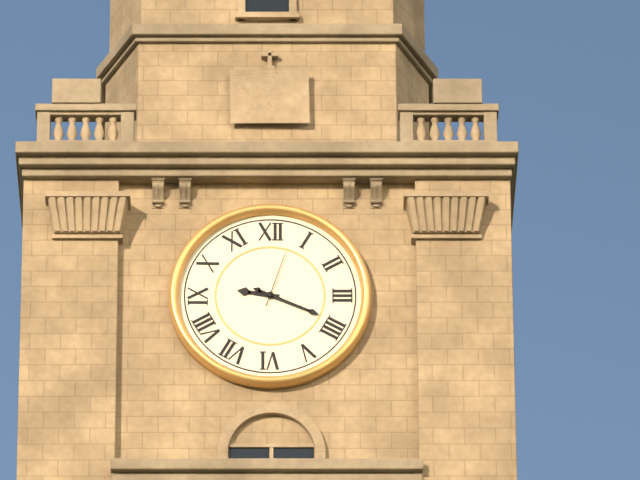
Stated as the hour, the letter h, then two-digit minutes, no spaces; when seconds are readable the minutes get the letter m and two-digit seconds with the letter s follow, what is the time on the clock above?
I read 9h19m03s
